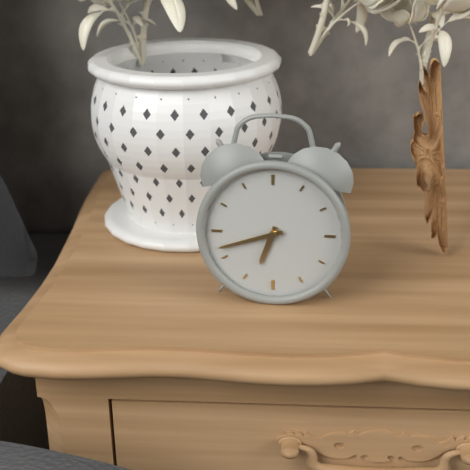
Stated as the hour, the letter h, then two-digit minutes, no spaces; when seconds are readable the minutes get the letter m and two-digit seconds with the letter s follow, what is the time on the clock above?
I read 6h42
